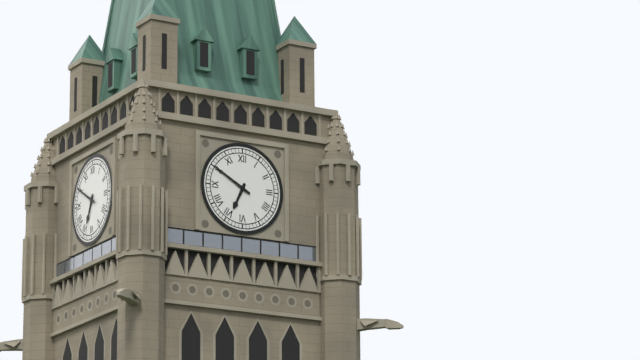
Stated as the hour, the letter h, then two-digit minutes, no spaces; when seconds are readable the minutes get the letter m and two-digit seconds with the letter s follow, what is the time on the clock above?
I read 6h50
